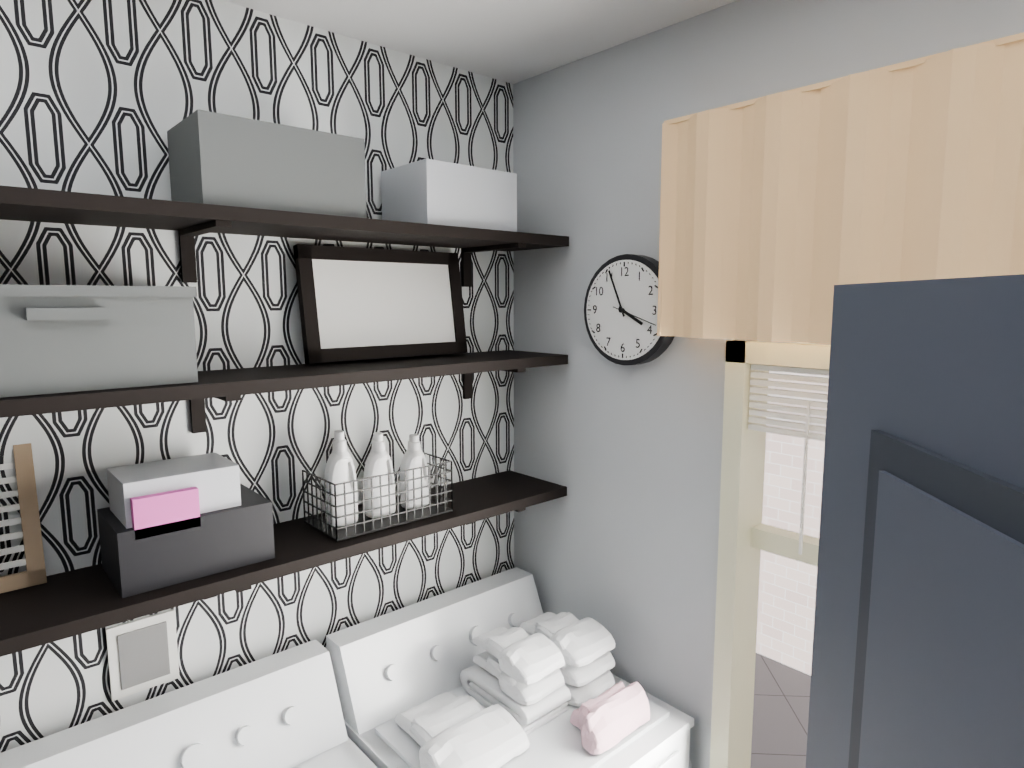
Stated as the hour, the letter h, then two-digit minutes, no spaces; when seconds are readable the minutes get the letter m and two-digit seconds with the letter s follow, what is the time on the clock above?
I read 3h56
